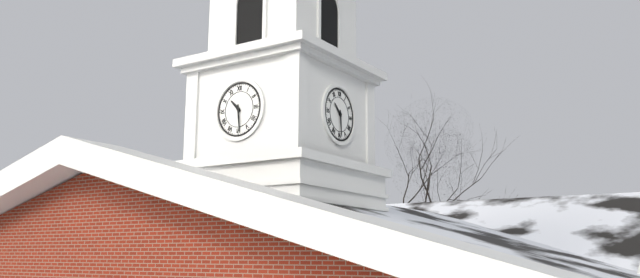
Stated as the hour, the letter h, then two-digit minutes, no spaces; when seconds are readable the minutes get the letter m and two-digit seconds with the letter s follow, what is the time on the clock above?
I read 10h29
